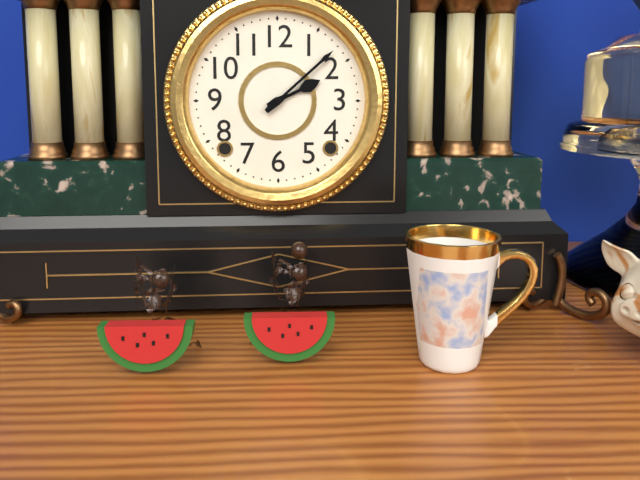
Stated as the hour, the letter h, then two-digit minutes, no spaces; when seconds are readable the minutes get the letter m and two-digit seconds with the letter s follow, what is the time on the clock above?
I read 2h08
